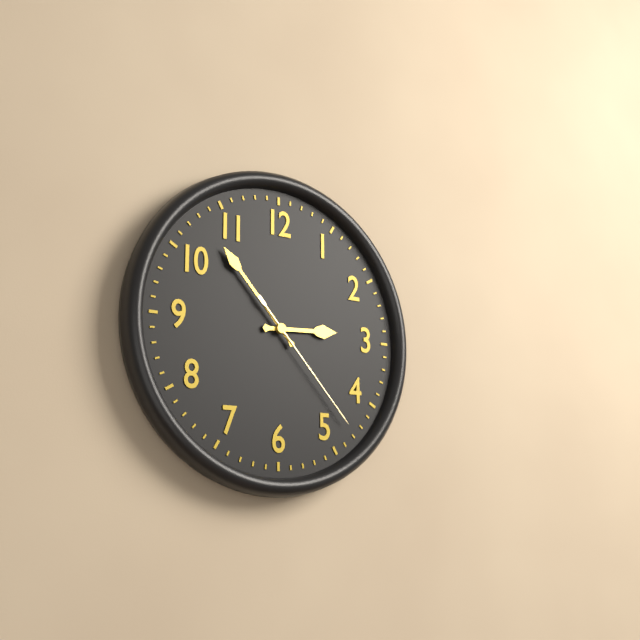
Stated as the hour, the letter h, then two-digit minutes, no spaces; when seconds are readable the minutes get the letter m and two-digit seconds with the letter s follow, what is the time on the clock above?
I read 2h53m23s
